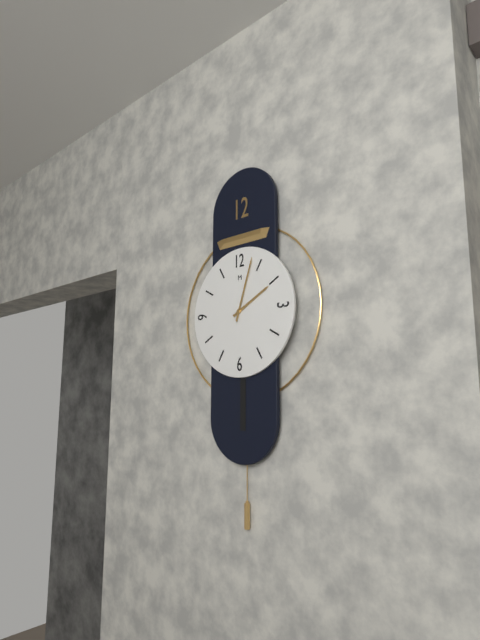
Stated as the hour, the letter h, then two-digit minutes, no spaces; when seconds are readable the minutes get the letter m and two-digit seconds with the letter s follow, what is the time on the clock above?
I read 2h03
